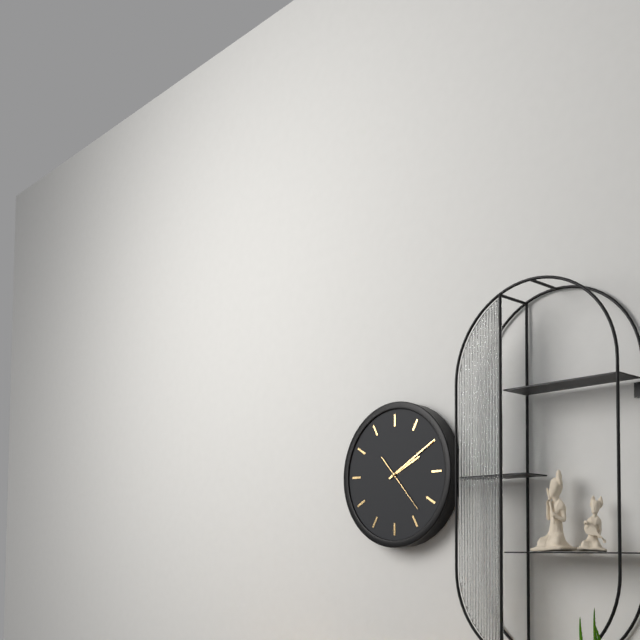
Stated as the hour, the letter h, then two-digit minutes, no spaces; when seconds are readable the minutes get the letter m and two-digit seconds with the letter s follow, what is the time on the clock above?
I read 2h10m23s
